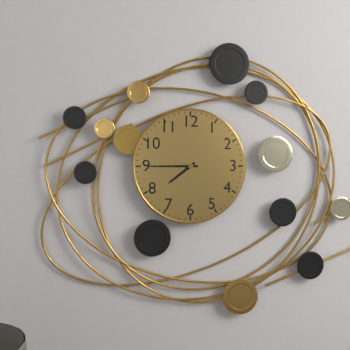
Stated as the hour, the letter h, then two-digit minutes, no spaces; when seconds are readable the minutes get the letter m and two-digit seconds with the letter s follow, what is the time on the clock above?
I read 7h45
